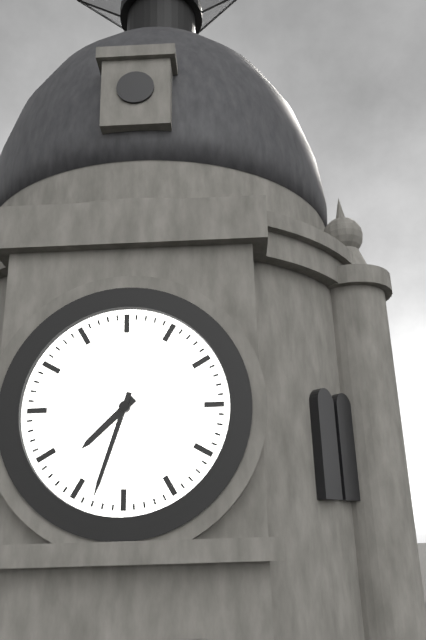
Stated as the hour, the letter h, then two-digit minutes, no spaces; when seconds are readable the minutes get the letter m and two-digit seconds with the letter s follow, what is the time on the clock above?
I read 7h33
